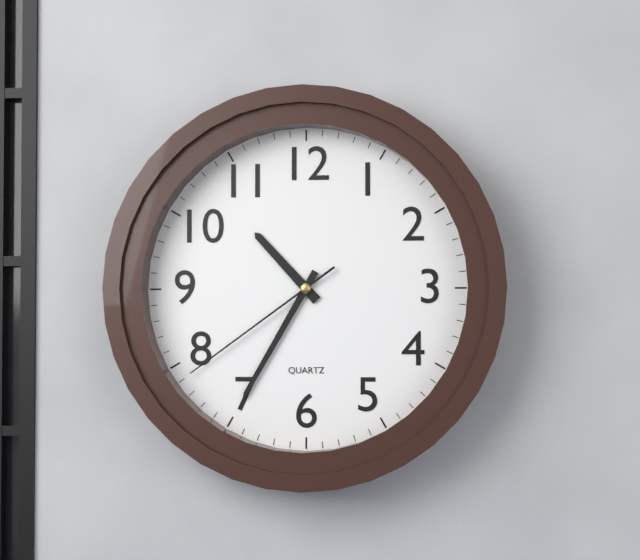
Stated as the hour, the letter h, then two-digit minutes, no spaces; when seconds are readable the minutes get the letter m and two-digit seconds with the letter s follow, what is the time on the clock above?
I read 10h35m39s
